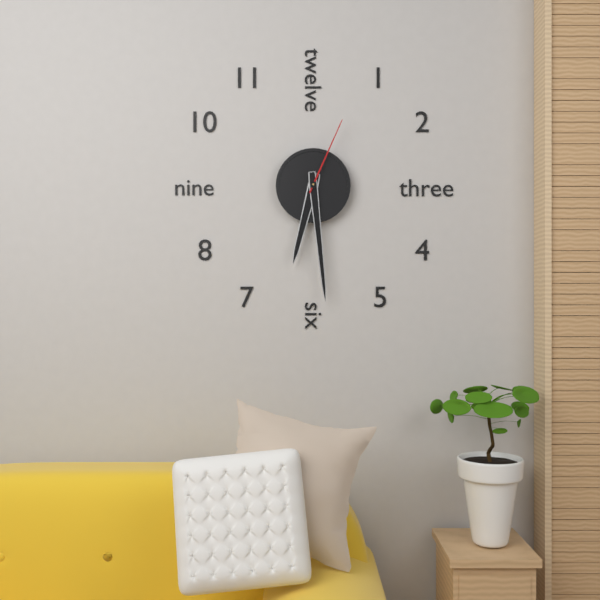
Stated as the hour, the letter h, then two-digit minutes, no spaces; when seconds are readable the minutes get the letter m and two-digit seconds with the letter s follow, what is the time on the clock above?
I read 6h29m04s
